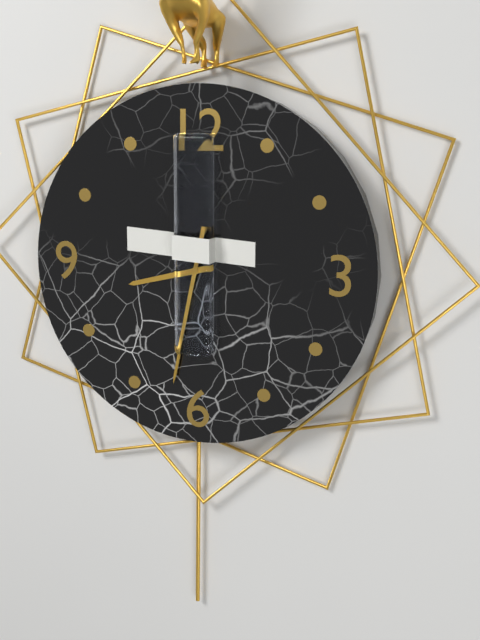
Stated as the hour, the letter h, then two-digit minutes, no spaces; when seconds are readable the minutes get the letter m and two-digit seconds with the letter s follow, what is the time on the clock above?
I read 8h32
